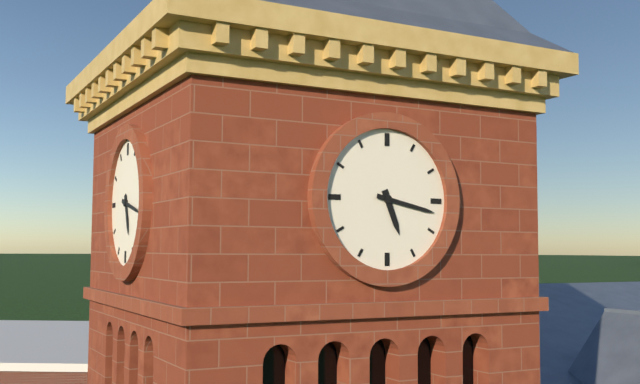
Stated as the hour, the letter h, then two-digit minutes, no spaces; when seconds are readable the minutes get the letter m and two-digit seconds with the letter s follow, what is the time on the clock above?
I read 5h17
